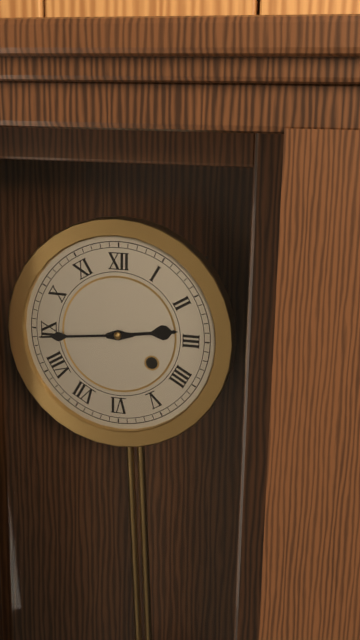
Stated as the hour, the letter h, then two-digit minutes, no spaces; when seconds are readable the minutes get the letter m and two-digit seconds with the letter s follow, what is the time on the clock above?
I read 2h44
